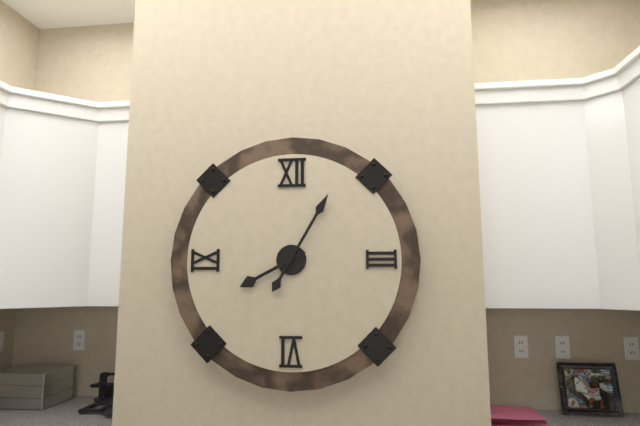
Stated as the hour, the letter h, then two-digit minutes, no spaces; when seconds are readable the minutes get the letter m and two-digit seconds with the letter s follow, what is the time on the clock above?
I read 8h05
